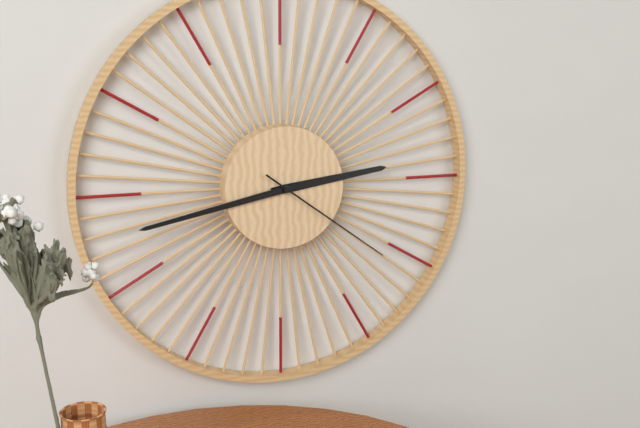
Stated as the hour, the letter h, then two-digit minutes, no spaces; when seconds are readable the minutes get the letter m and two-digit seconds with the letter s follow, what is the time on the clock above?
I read 2h43m21s
